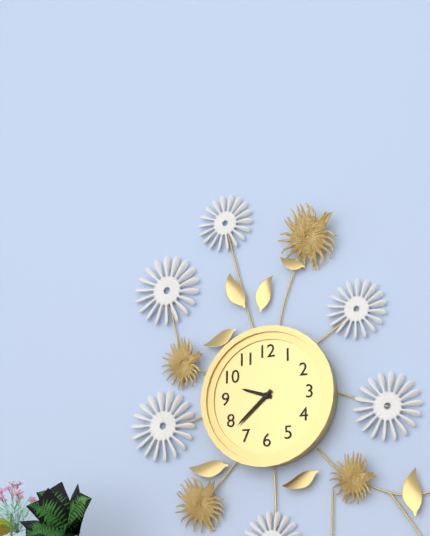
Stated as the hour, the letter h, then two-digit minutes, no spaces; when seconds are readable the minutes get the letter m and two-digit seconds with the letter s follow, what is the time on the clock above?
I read 9h38
